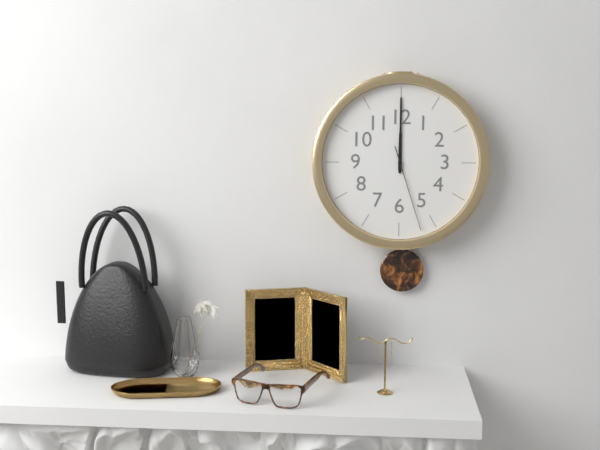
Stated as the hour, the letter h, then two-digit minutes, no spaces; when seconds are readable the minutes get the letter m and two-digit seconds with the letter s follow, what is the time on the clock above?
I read 12h00m27s
